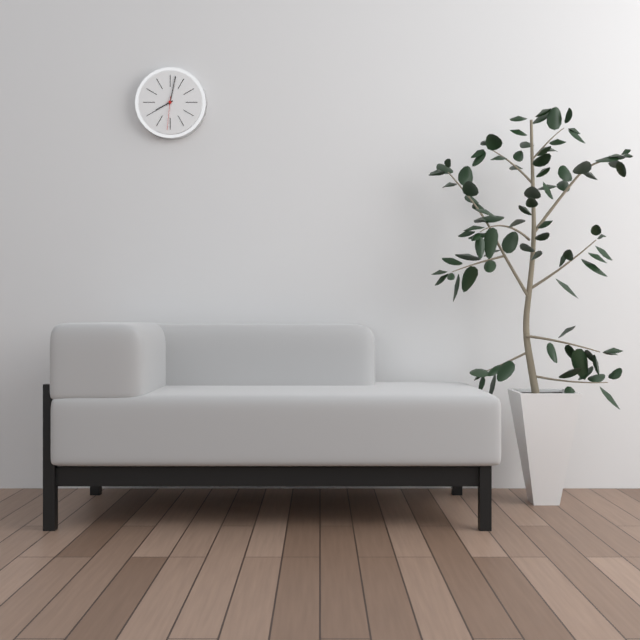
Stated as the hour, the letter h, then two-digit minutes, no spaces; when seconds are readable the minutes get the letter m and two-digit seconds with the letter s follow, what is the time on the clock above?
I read 8h02
